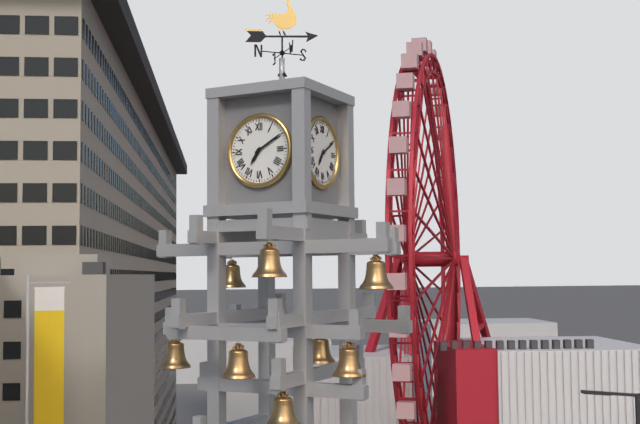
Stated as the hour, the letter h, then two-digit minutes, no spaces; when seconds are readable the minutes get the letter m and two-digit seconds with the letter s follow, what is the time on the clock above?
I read 7h10
